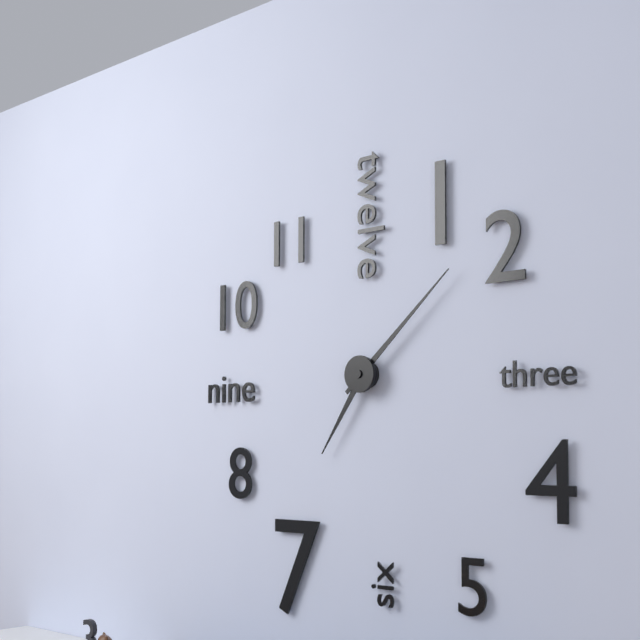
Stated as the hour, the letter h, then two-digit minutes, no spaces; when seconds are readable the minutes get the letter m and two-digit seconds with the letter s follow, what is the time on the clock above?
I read 7h08
